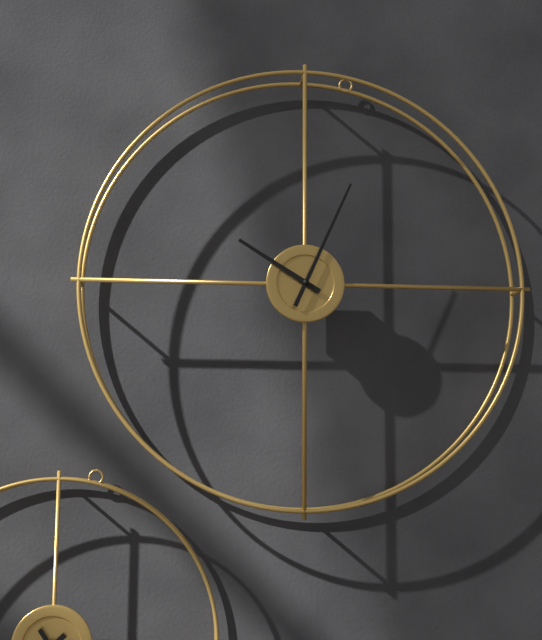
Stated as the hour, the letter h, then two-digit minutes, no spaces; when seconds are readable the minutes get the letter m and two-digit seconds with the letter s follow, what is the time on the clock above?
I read 10h04
